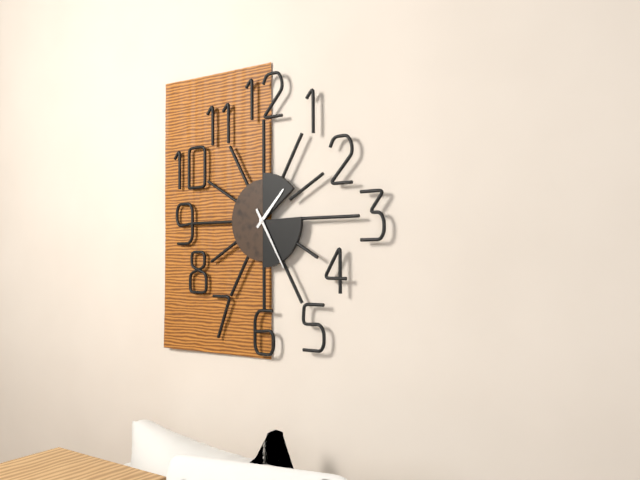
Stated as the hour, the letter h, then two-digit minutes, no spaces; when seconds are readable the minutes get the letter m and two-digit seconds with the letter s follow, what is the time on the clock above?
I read 1h25
